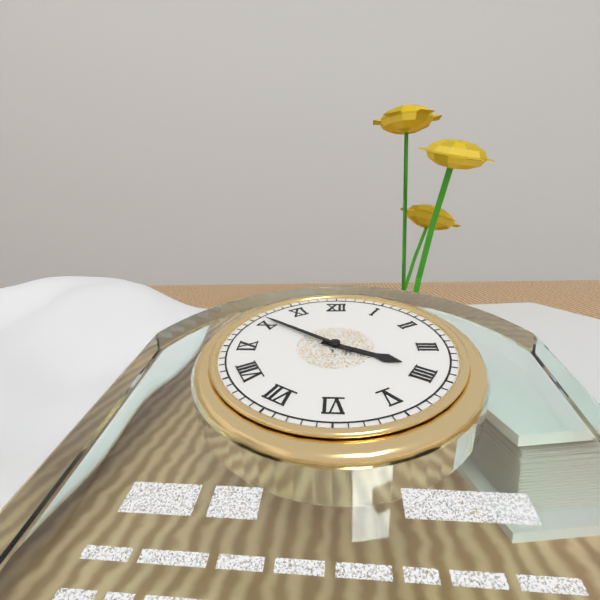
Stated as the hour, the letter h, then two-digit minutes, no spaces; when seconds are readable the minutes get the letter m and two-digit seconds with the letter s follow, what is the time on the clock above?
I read 3h51
